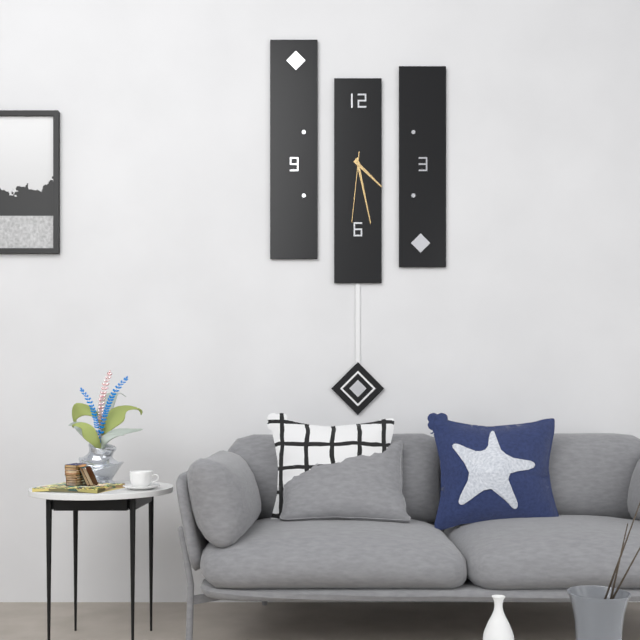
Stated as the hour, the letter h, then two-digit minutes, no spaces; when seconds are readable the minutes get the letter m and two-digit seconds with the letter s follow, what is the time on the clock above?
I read 4h28m31s
